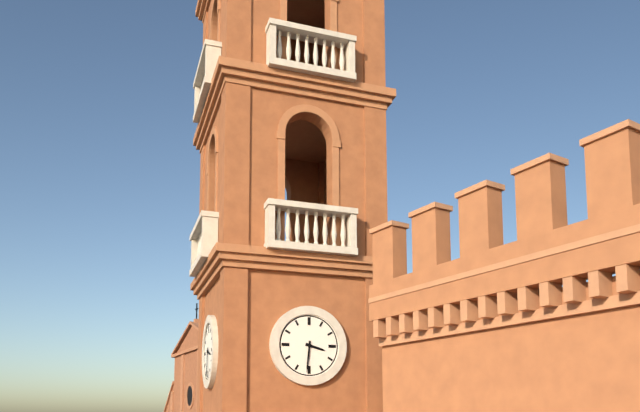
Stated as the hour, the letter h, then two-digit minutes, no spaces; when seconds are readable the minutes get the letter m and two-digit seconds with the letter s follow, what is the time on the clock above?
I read 3h31
